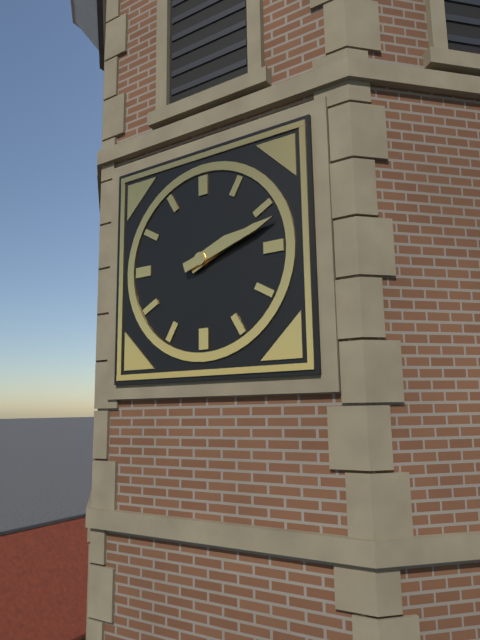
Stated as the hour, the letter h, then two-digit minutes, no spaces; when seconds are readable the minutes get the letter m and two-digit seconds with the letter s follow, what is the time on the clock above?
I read 2h12
